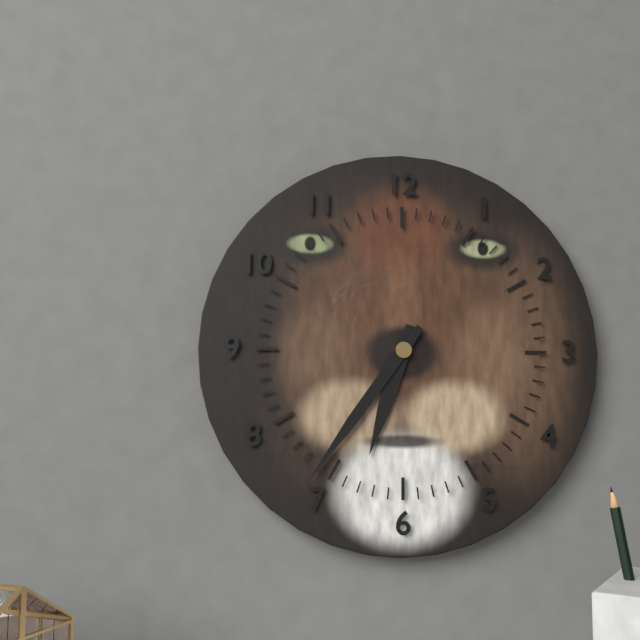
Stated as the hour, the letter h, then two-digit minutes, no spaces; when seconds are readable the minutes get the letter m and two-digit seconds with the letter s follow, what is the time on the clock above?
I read 6h36
